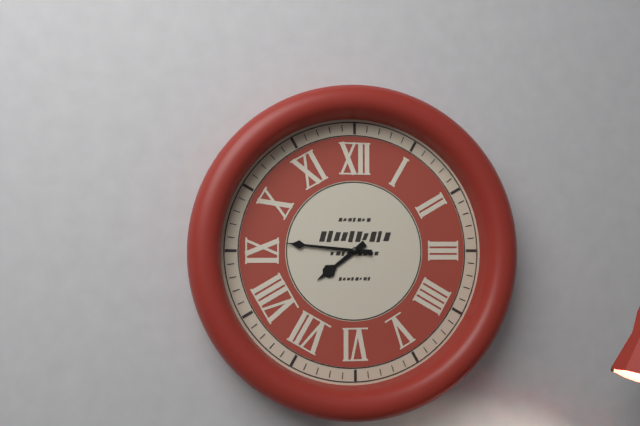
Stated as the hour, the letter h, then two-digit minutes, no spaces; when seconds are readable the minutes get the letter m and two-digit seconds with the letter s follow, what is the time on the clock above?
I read 7h46
